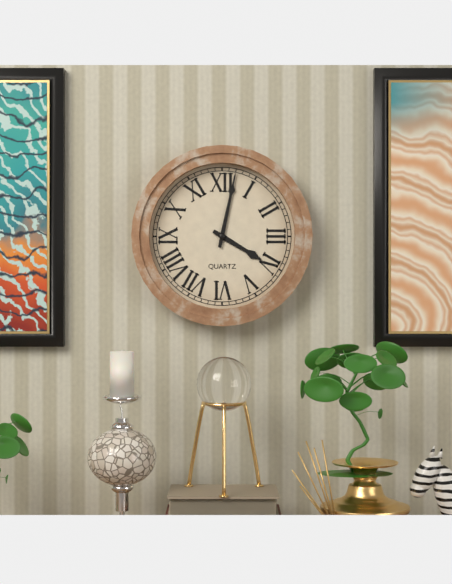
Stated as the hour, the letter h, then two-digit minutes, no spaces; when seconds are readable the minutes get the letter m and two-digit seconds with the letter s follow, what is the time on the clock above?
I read 4h02
